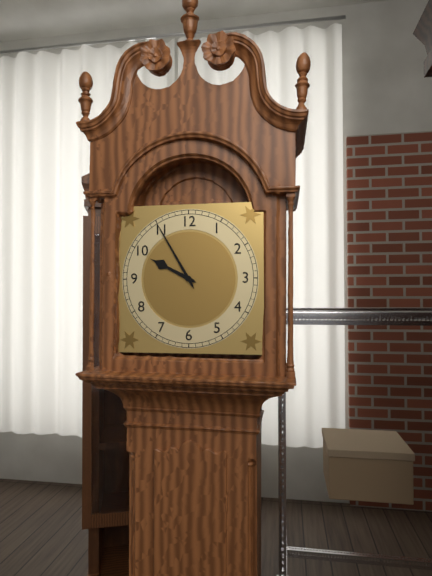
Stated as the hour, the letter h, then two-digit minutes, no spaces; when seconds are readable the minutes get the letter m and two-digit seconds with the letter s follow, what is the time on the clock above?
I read 9h55
